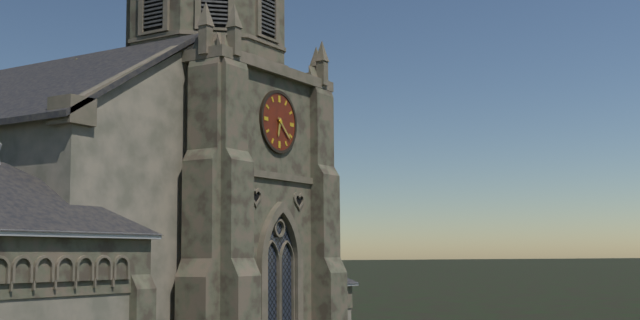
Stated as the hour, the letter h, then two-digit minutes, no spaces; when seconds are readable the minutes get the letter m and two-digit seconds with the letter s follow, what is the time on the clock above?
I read 6h22
